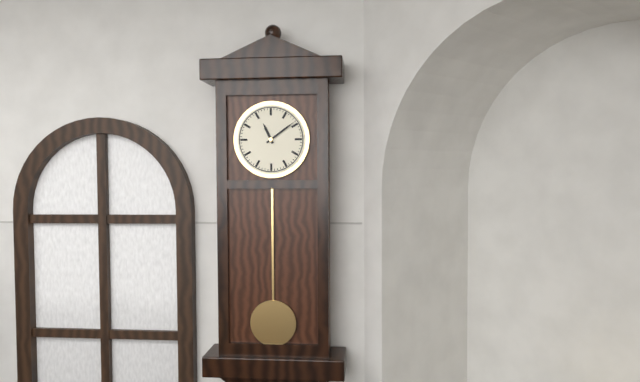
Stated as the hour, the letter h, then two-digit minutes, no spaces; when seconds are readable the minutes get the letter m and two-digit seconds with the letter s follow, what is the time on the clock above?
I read 11h09
